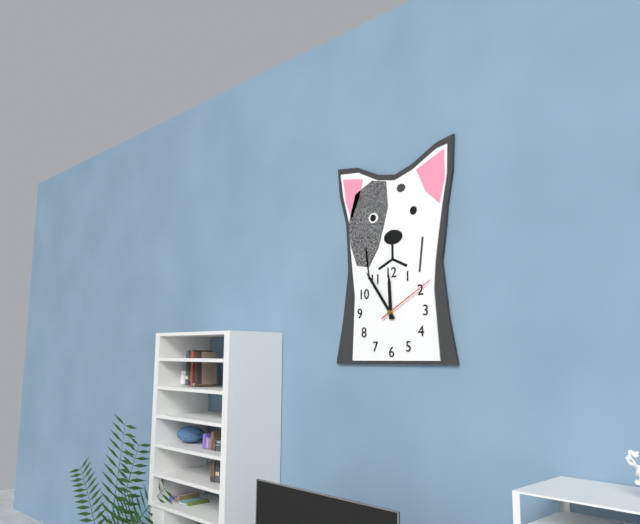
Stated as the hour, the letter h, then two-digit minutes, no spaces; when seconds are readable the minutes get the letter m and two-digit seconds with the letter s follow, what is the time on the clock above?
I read 11h54m10s
